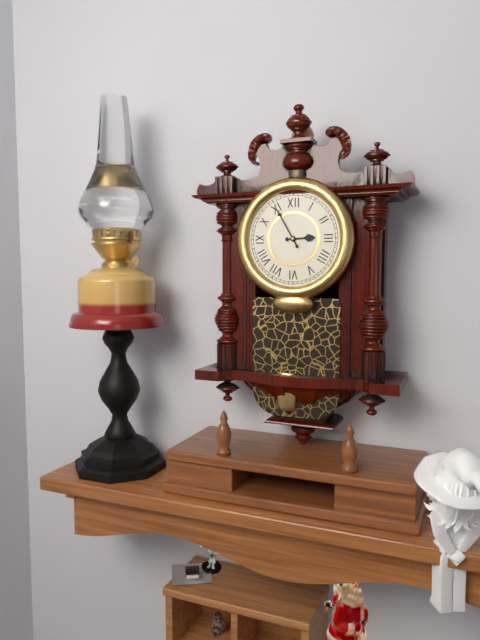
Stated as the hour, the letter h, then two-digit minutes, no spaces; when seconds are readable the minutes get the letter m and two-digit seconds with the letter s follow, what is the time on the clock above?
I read 2h55
